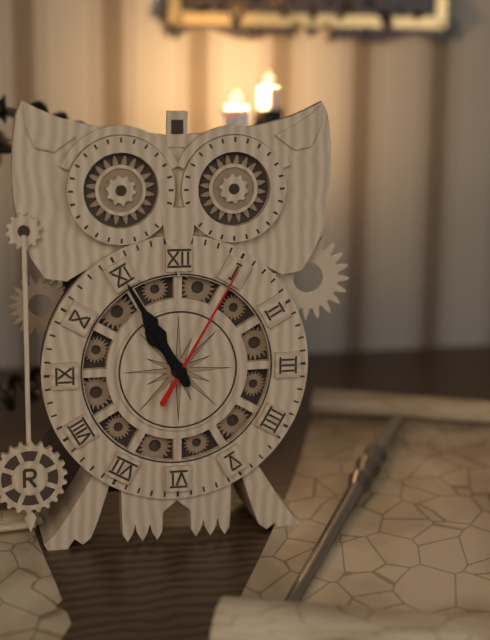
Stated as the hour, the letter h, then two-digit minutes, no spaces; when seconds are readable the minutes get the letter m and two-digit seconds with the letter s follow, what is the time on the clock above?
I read 10h55m05s
